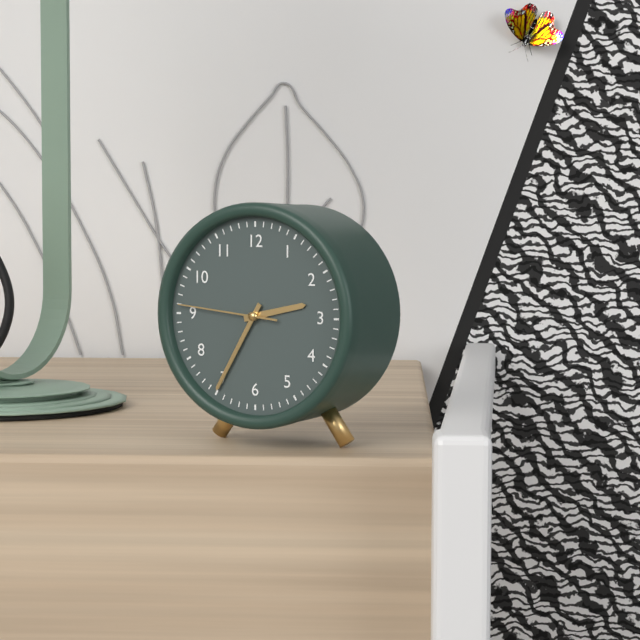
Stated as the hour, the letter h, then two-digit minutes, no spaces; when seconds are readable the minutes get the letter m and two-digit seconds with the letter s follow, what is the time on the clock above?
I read 2h35m46s
